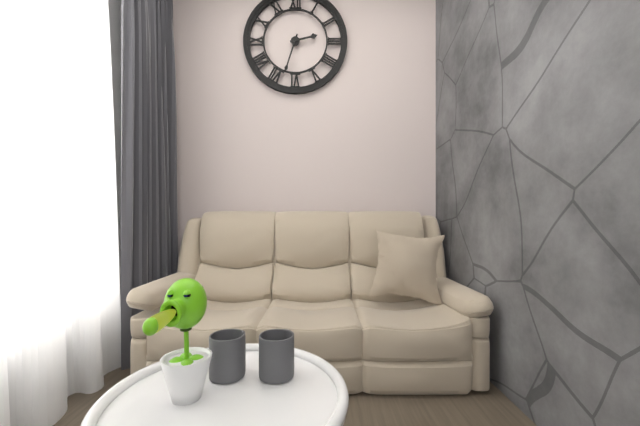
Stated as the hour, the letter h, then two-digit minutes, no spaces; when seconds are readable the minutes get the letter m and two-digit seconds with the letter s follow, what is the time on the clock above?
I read 2h33
